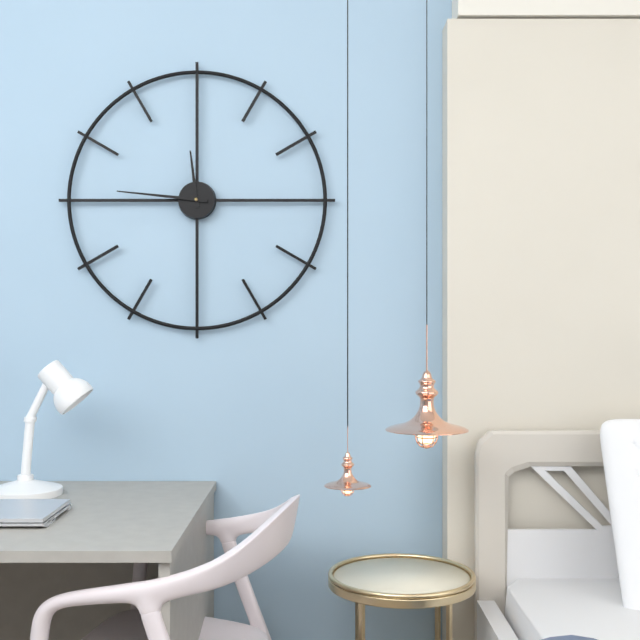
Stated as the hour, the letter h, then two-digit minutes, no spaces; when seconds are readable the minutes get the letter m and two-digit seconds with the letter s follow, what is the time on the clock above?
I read 11h46
